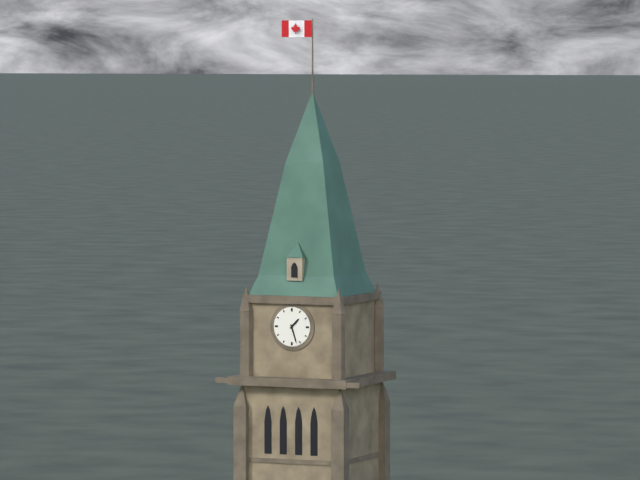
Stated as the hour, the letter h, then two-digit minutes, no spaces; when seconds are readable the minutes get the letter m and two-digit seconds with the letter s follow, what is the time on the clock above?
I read 1h27
